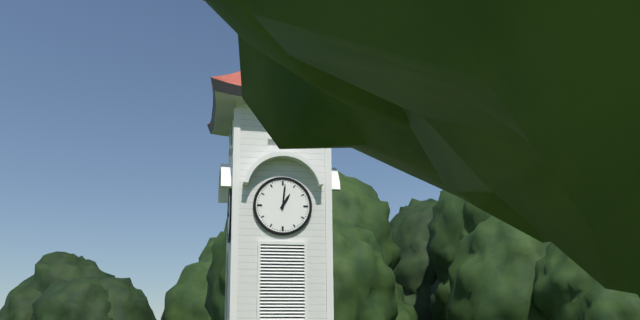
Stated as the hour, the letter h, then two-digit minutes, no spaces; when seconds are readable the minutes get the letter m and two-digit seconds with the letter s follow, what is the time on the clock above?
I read 1h01
